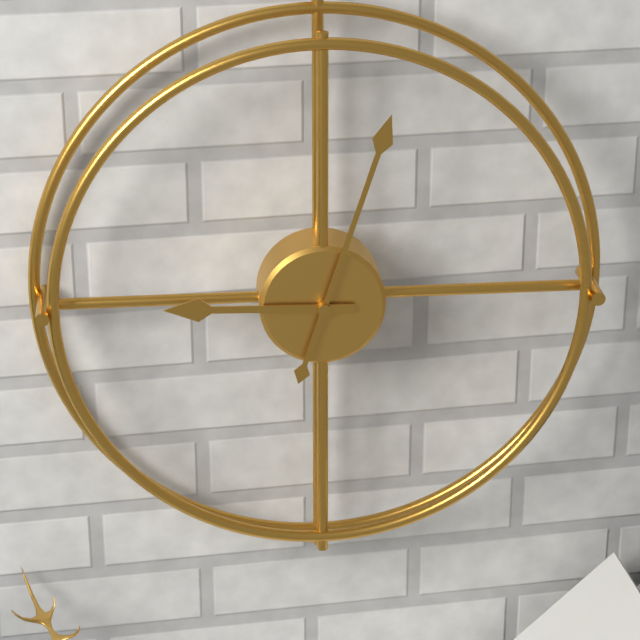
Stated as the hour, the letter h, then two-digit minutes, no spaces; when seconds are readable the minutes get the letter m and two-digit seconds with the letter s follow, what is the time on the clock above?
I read 9h03
